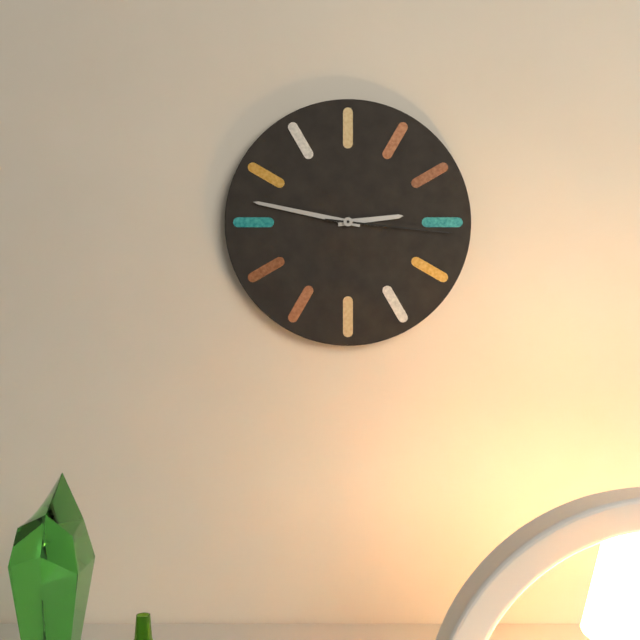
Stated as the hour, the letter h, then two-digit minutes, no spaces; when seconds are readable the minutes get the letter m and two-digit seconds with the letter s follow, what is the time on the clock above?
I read 2h47m16s
